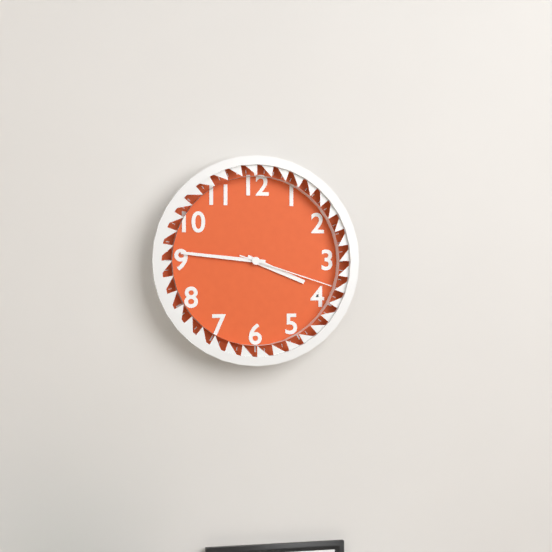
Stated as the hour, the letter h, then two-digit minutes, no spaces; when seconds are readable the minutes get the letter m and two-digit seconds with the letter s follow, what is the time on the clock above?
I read 3h46m18s
